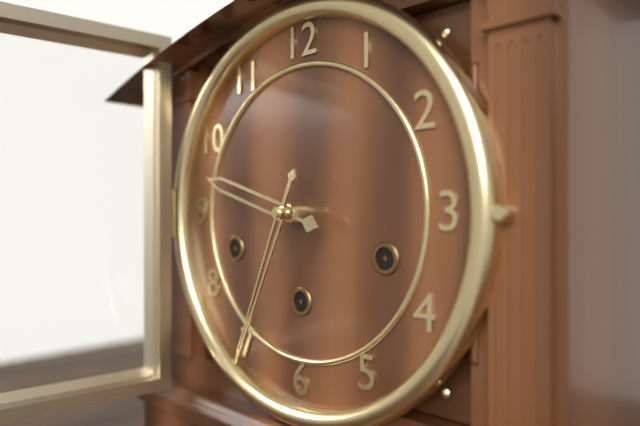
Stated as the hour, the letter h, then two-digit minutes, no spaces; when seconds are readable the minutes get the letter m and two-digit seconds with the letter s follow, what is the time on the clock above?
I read 9h34
